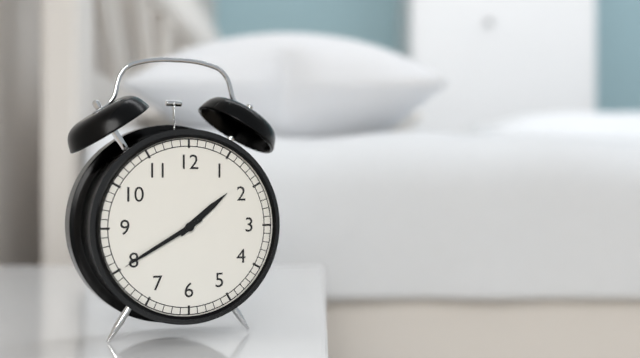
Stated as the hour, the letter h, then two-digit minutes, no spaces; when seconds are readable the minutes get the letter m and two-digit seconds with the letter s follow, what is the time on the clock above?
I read 1h40
